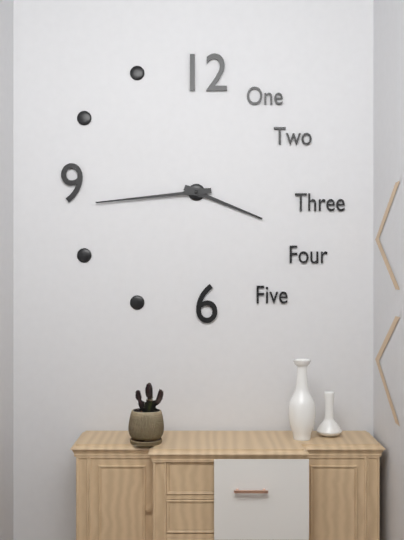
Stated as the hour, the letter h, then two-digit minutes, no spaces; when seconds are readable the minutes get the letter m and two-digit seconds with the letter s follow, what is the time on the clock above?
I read 3h44
